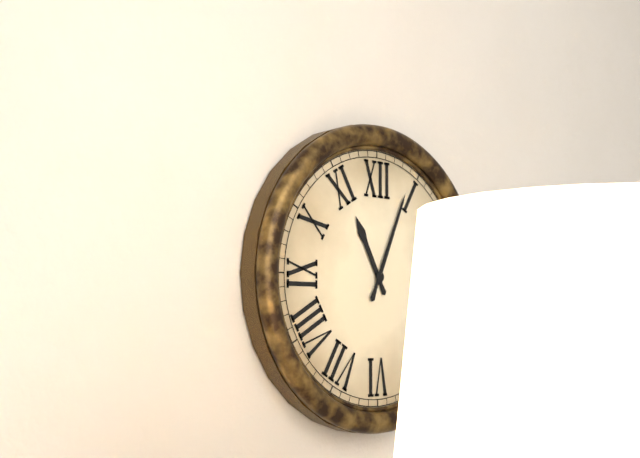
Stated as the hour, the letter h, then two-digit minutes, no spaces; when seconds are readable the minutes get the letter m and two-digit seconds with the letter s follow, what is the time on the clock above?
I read 11h04
